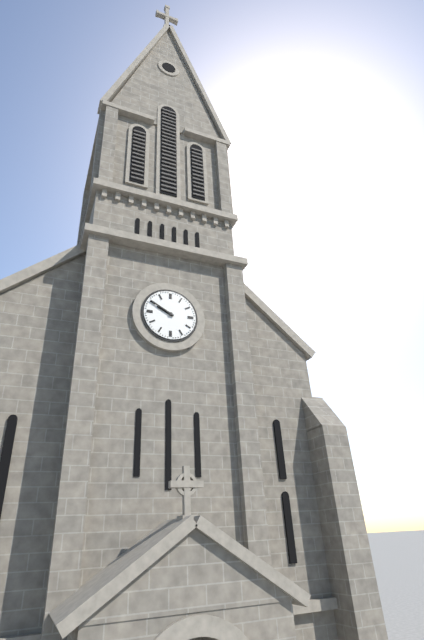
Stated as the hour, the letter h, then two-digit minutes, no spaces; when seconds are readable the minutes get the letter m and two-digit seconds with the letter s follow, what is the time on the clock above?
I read 9h50
